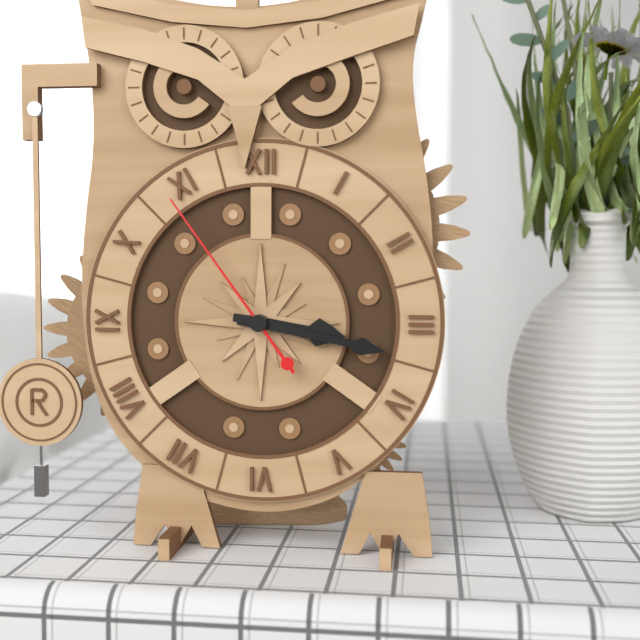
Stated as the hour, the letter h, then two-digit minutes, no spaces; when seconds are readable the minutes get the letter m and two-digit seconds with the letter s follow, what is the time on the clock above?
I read 3h17m54s
